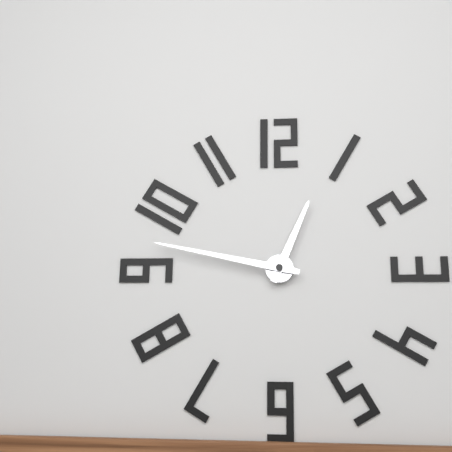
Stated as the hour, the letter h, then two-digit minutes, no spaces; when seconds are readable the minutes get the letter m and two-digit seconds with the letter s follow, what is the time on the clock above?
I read 12h47
